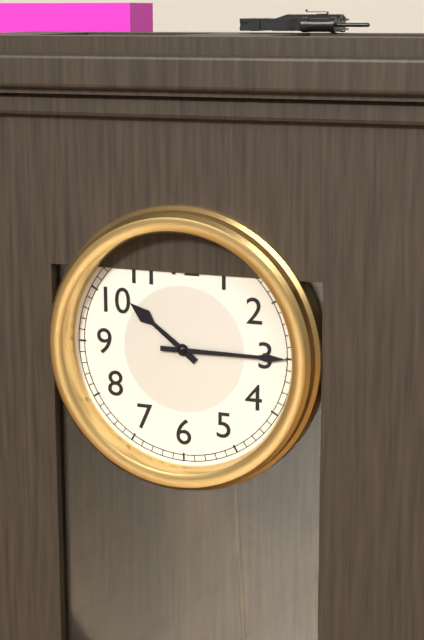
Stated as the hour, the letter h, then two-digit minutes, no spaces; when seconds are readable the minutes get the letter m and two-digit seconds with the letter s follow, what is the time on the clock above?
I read 10h15
